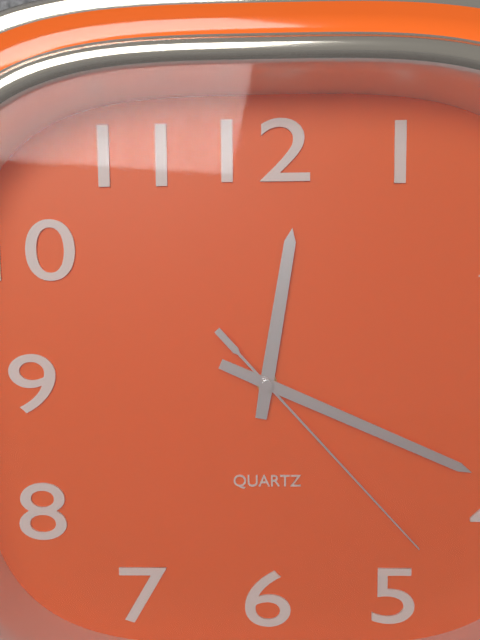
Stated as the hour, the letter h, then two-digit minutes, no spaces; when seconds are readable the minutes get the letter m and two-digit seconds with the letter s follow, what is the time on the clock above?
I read 12h19m23s
